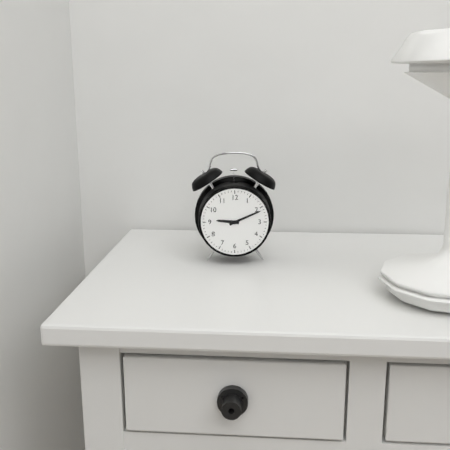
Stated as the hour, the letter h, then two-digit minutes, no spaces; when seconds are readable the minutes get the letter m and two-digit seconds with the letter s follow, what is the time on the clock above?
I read 9h11
